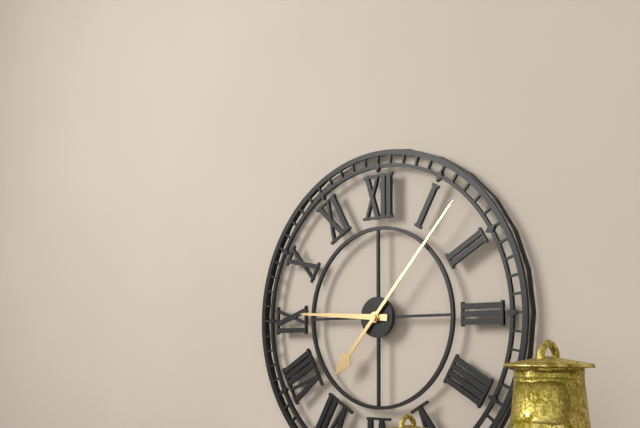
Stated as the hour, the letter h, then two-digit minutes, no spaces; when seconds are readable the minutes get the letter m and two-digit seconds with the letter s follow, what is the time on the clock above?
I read 9h07
